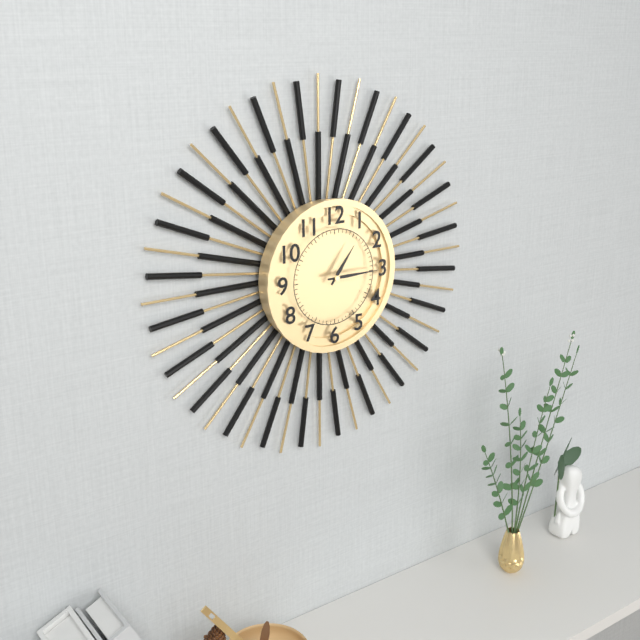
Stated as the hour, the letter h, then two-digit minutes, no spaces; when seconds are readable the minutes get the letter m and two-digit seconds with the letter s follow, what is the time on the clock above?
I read 1h15
